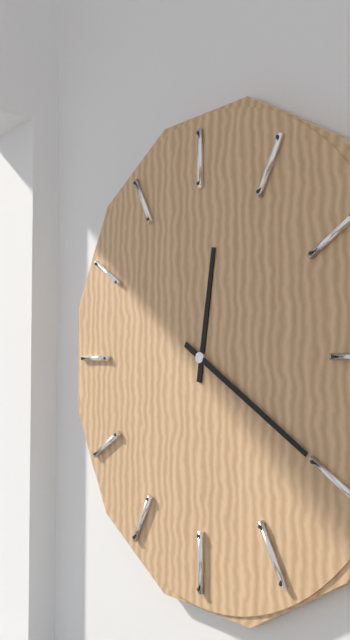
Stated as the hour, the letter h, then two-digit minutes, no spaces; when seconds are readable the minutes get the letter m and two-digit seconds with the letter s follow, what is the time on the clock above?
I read 12h20
